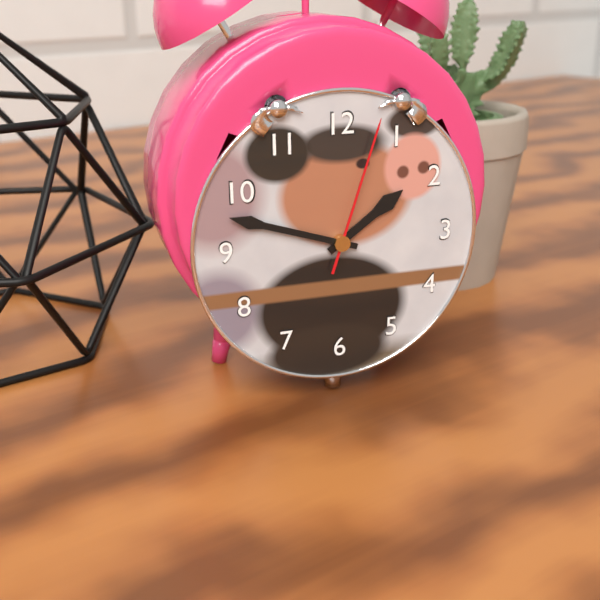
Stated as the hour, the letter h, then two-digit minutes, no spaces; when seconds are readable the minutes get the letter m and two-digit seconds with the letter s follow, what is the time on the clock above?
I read 1h48m03s
